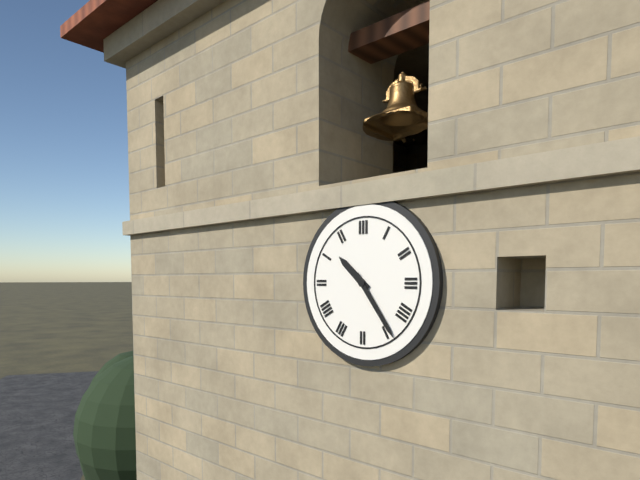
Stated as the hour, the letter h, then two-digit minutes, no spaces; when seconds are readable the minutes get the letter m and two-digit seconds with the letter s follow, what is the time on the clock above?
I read 10h24
